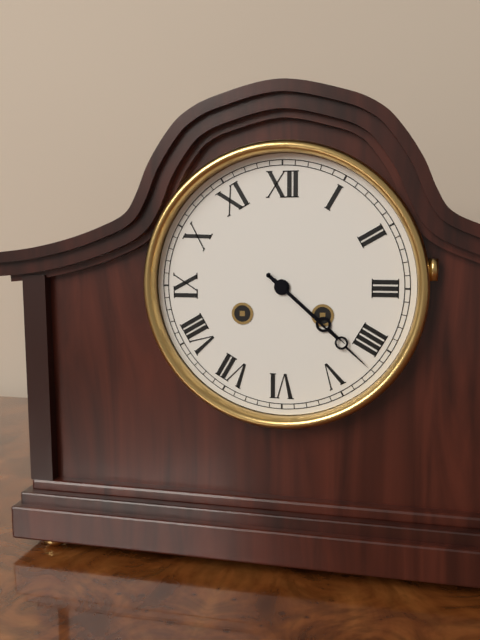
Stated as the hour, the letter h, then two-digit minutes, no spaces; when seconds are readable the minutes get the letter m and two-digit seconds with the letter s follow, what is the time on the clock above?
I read 4h22
